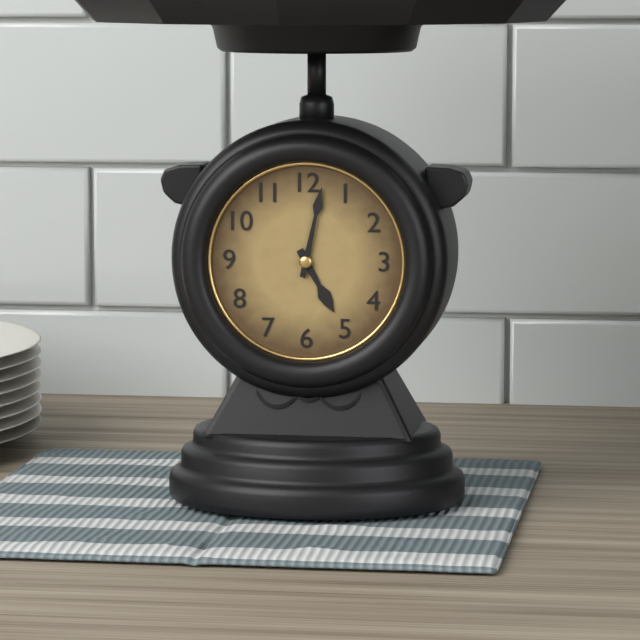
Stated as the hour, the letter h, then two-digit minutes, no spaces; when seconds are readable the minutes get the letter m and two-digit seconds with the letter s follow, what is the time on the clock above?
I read 5h02
